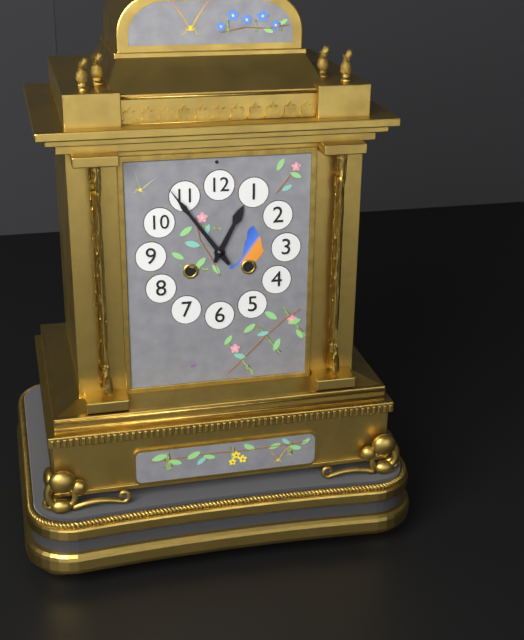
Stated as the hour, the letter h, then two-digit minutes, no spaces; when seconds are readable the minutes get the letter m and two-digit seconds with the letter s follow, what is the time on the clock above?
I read 12h54
